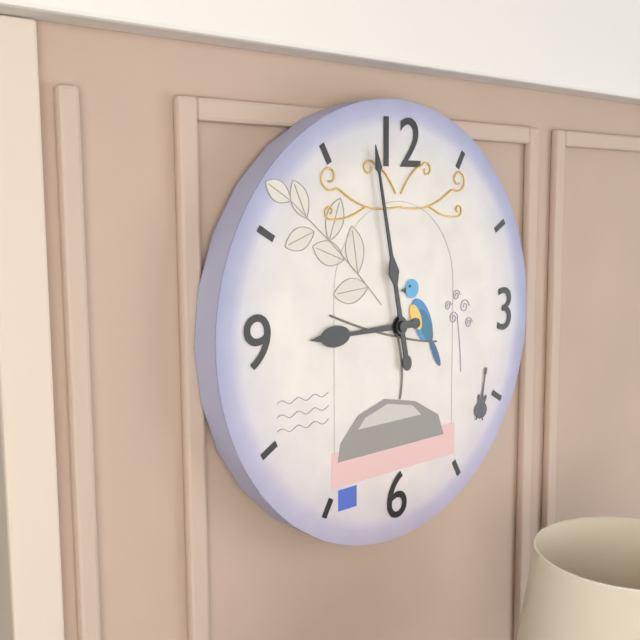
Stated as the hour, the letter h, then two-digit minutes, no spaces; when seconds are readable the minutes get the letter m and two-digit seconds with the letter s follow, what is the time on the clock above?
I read 8h58
